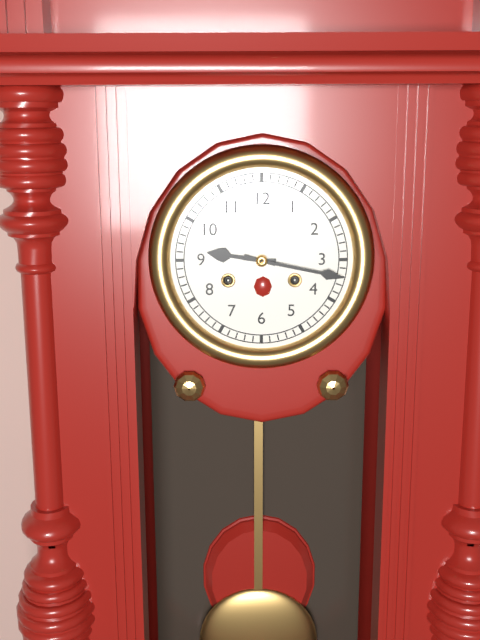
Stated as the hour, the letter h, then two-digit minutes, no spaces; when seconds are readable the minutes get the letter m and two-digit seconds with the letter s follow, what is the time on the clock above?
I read 9h17
